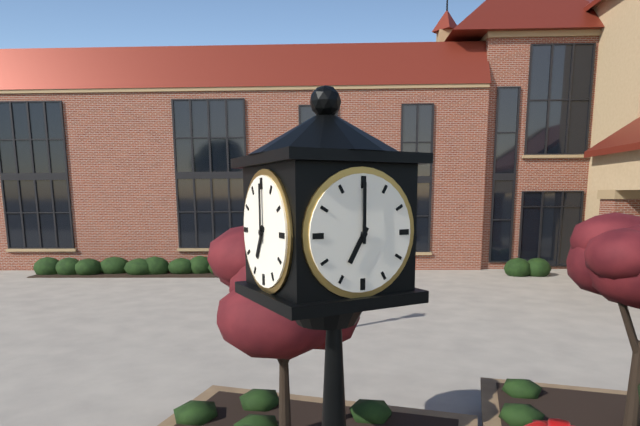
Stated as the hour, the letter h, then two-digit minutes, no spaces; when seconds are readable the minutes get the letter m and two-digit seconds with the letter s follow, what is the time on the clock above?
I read 7h00
